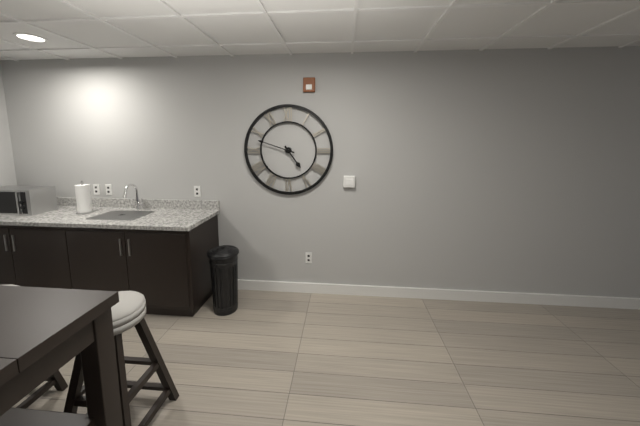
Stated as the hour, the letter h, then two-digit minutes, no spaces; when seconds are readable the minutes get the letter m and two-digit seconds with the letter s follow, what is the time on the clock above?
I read 4h48
